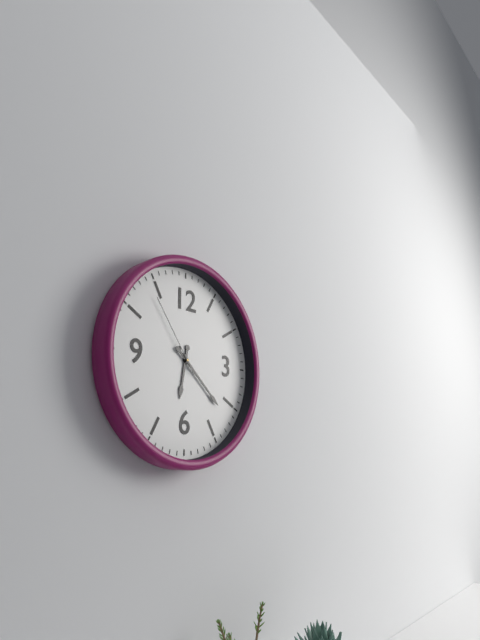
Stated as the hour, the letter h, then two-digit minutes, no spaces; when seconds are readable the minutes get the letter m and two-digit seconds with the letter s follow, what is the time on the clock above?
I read 6h22m54s
